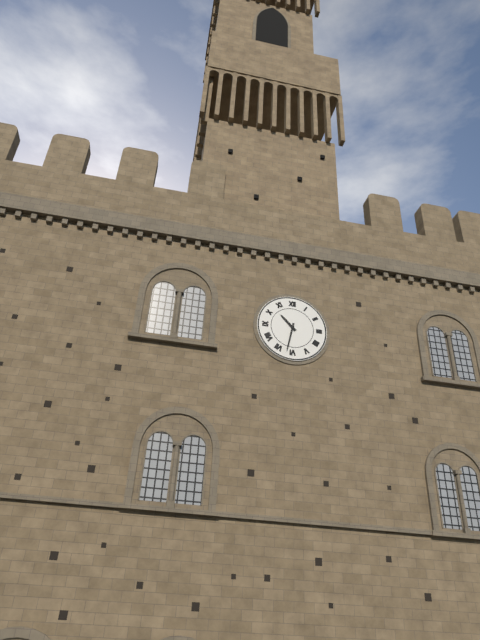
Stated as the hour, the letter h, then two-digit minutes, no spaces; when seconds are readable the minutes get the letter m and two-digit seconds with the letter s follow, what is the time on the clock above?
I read 10h32
